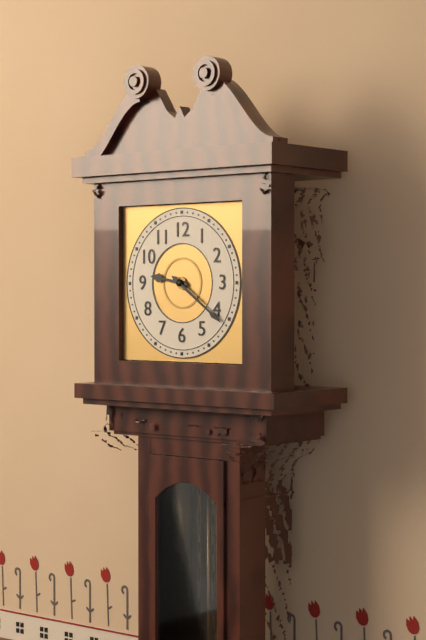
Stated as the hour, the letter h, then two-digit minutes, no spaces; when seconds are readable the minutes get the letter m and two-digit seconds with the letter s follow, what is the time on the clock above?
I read 9h21
